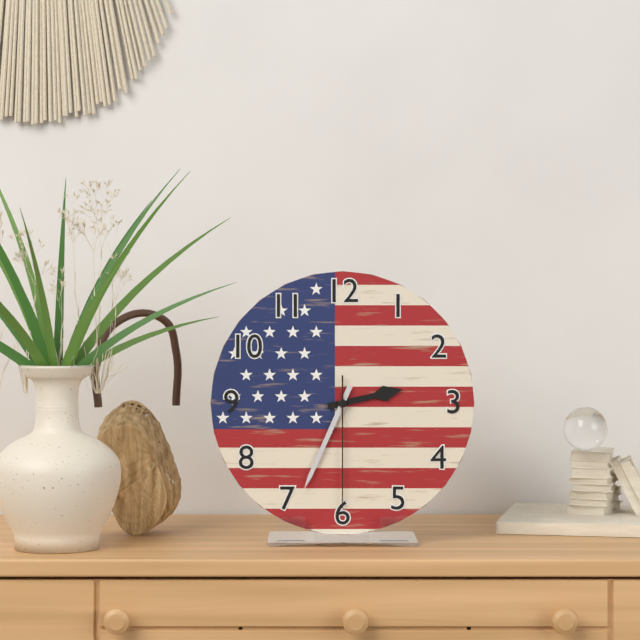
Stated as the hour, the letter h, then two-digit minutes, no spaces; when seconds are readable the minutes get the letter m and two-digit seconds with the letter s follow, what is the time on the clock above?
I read 2h34m30s
